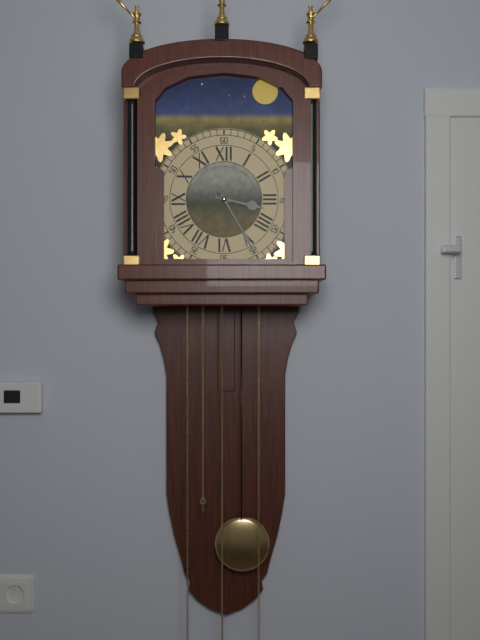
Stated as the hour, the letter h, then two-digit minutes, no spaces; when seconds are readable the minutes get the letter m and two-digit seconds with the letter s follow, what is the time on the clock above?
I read 3h25
